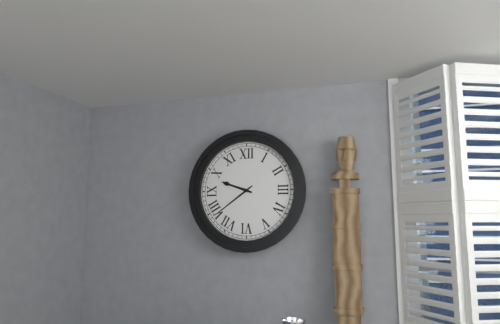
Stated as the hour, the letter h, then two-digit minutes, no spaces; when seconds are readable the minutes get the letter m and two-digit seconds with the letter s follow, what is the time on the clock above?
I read 9h39
